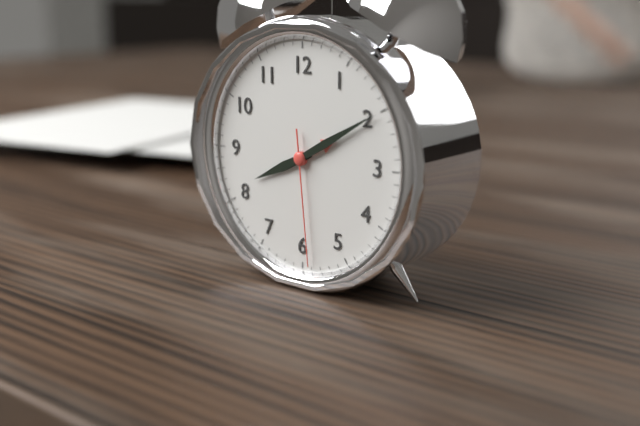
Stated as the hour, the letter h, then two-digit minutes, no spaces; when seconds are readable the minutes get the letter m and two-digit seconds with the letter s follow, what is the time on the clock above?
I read 8h10m29s
